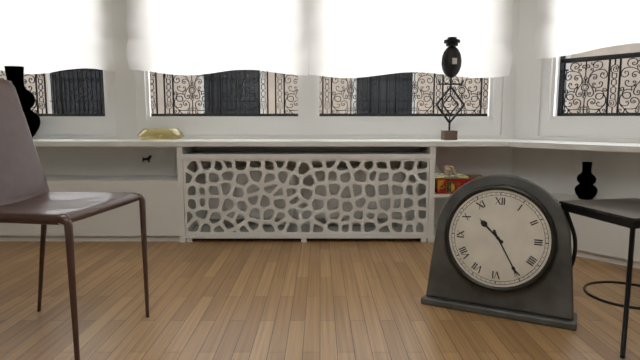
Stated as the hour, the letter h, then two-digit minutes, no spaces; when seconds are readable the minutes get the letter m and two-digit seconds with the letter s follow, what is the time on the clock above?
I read 10h25
